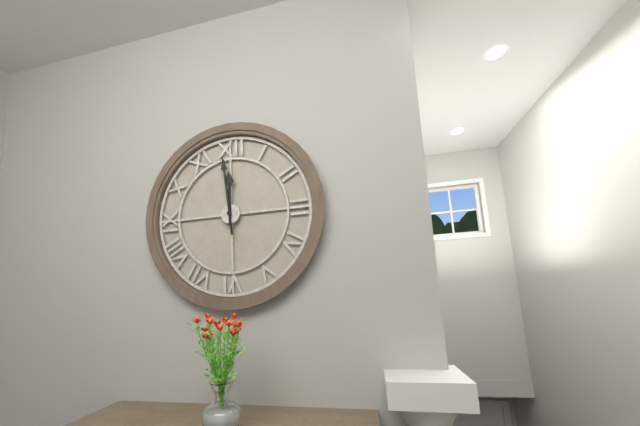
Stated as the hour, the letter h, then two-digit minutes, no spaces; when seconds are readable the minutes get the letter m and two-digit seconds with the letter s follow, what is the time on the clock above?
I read 11h59
